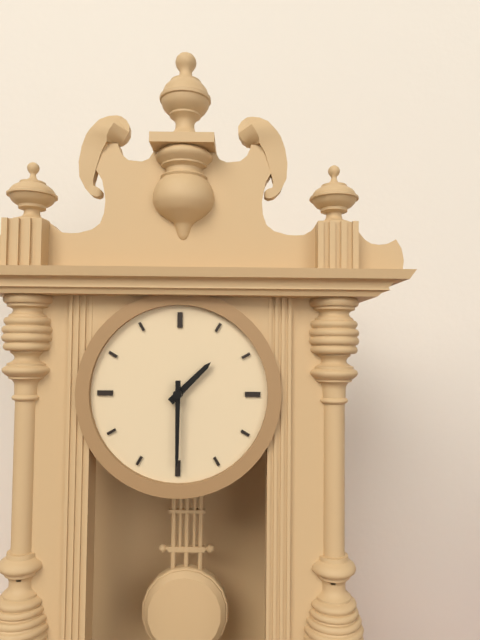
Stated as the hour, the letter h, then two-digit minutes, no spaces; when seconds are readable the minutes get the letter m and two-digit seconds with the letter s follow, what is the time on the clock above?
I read 1h30
